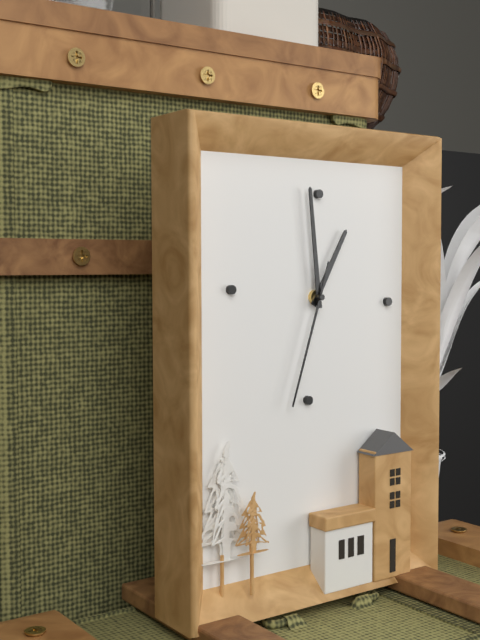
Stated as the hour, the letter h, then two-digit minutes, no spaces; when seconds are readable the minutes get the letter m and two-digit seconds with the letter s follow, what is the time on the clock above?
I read 12h59m33s
